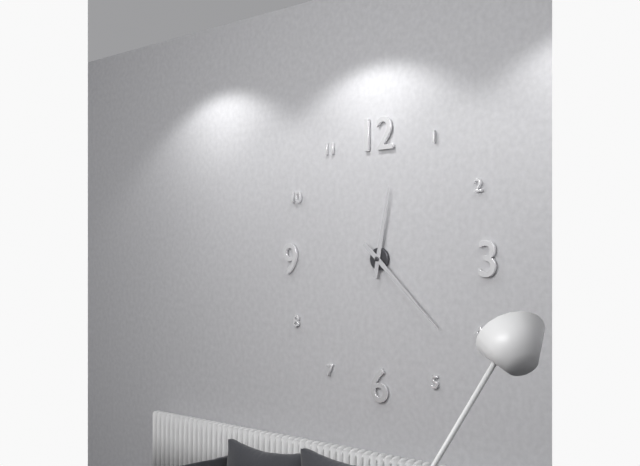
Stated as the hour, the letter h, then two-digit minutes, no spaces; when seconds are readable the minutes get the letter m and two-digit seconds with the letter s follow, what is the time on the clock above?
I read 12h22
